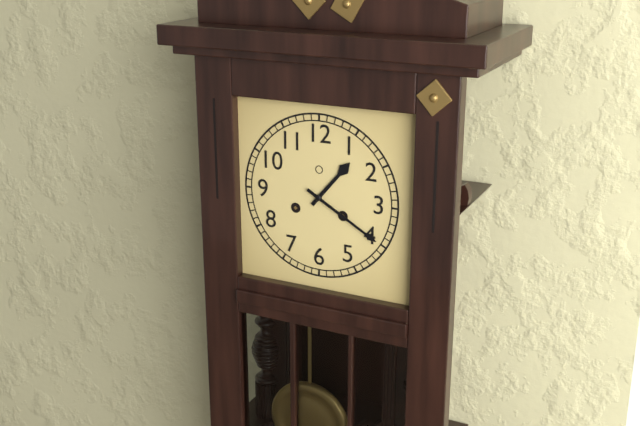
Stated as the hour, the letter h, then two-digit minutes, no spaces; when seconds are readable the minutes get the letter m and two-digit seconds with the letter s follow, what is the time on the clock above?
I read 1h20
